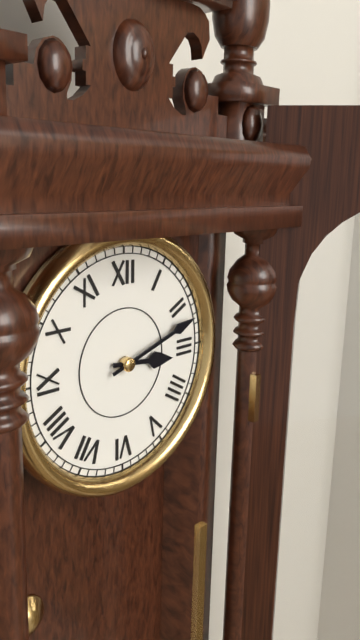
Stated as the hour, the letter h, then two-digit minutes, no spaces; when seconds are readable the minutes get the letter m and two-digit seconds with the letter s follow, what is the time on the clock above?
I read 3h12
